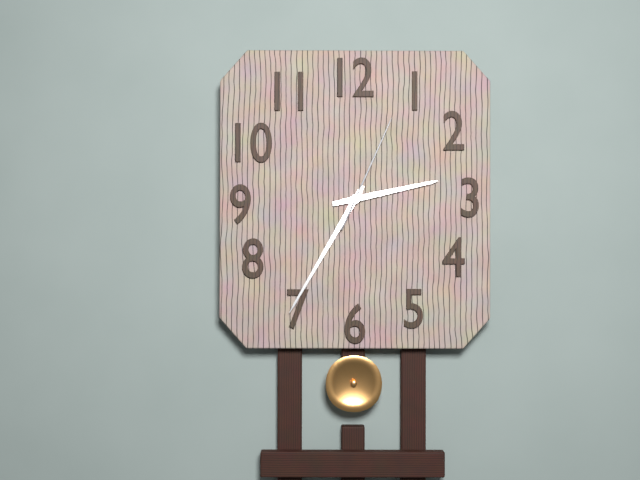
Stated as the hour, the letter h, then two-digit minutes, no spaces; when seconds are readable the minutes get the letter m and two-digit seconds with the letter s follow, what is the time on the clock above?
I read 2h35m04s
